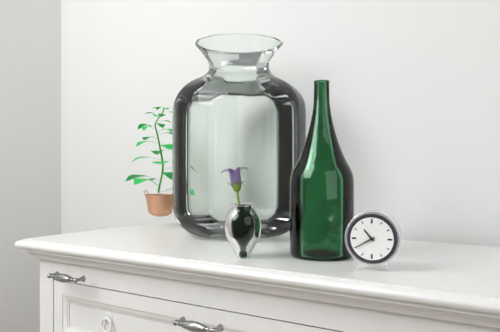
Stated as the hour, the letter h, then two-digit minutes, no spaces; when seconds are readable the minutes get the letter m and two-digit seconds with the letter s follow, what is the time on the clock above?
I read 10h40
